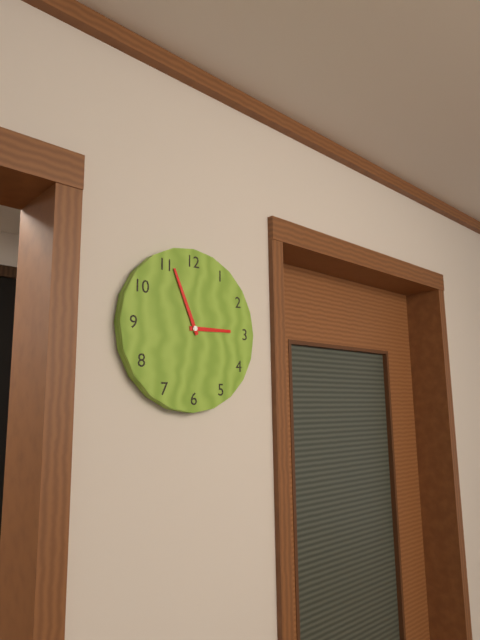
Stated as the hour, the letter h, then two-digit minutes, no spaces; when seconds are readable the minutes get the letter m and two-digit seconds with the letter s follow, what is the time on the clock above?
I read 2h56
